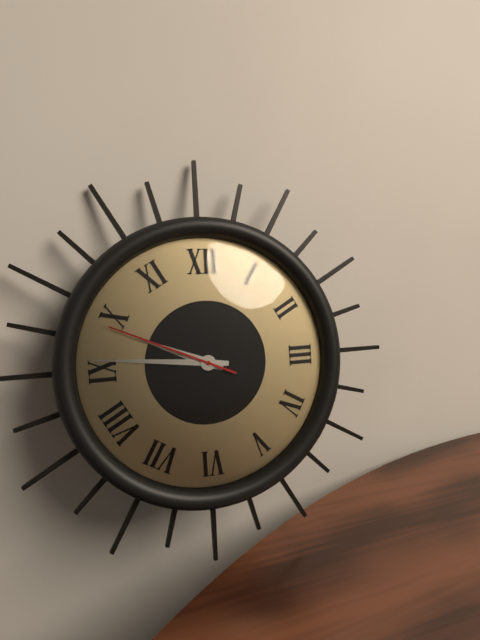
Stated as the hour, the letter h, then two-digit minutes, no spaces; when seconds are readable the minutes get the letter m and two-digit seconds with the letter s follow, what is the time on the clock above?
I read 9h46m49s
